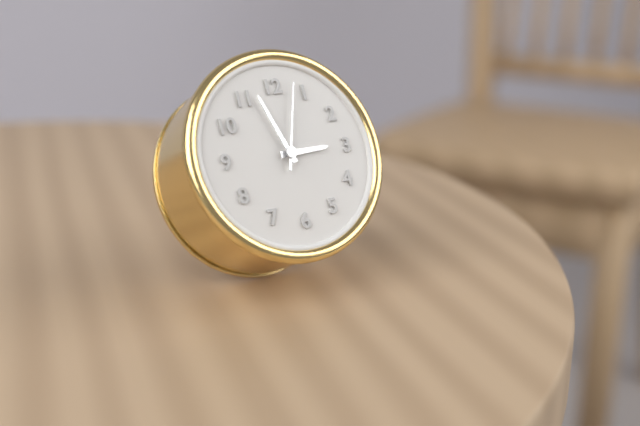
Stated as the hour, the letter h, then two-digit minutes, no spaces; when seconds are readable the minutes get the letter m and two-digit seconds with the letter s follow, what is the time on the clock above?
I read 2h57m03s
